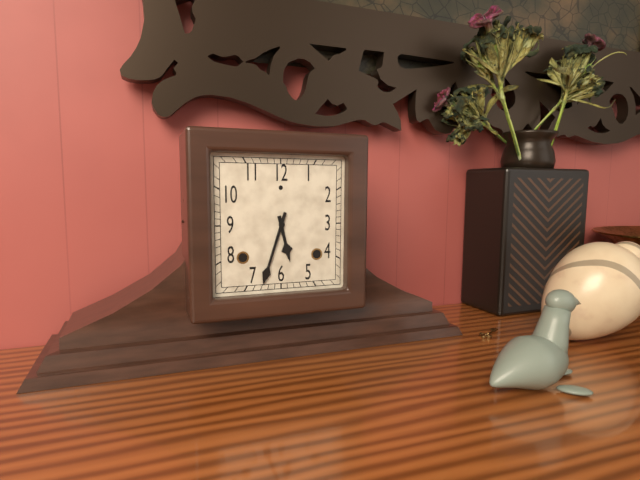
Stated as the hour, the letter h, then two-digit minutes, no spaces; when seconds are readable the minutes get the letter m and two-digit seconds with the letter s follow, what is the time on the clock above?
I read 5h33
